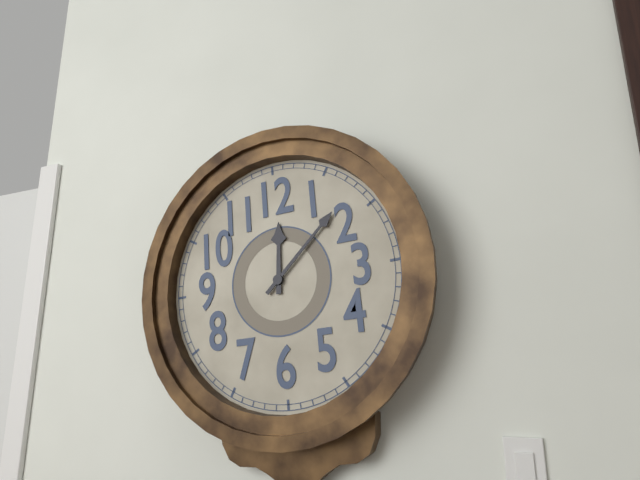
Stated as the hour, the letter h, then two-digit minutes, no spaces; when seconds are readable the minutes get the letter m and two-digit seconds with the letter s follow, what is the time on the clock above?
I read 12h08
